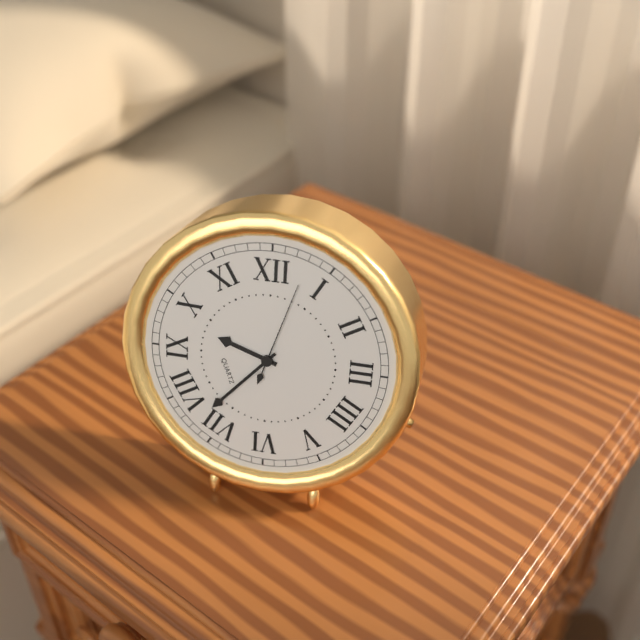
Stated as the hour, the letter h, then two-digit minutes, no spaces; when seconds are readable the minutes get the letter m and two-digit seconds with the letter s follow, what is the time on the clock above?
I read 9h37m03s
